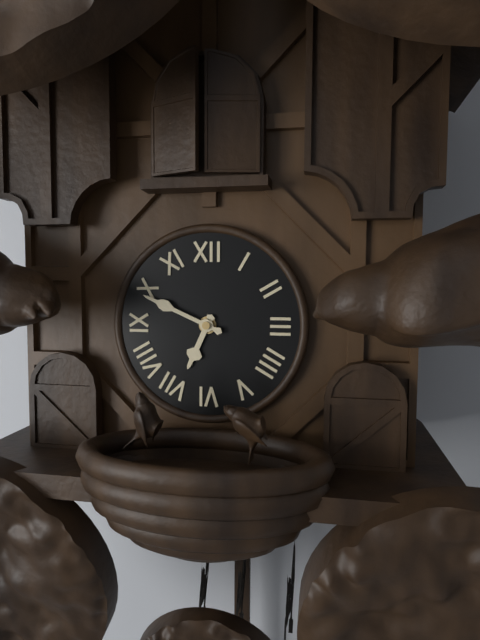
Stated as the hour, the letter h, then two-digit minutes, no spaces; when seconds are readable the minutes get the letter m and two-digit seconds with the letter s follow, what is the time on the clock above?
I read 6h49
